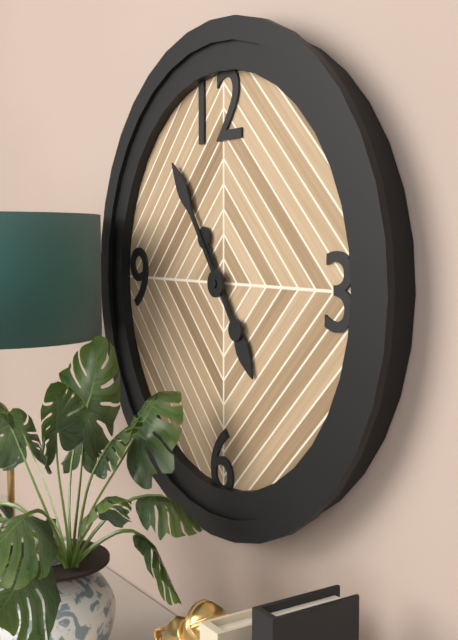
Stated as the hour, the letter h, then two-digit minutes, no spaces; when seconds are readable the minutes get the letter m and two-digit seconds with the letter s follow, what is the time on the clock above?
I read 4h54
